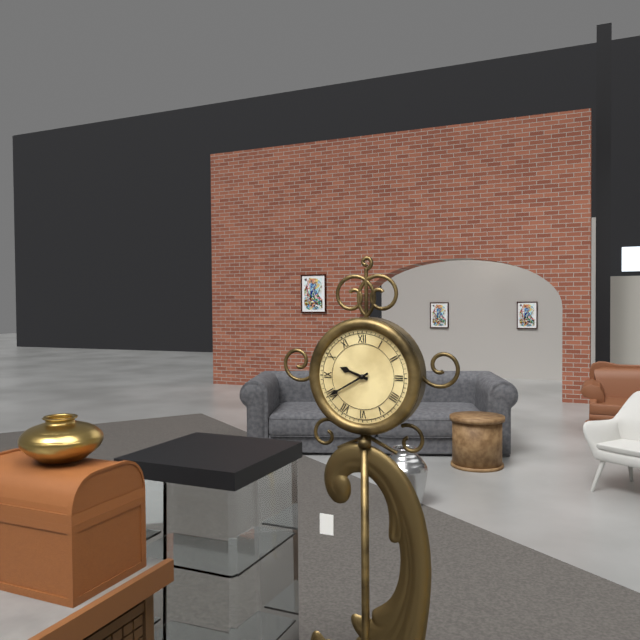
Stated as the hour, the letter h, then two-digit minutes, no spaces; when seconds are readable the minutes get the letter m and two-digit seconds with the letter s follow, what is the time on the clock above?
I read 9h40
